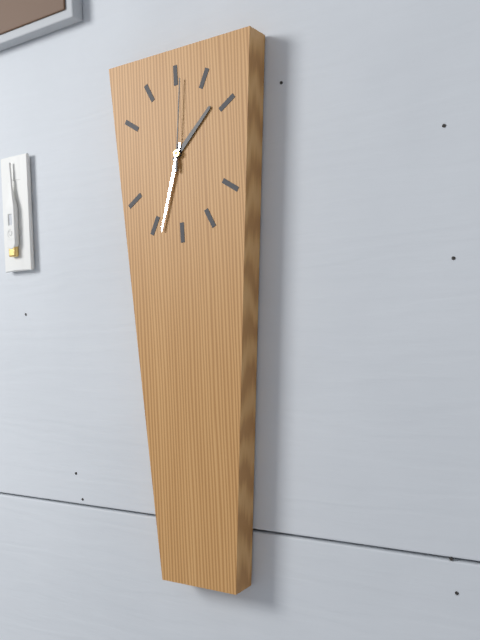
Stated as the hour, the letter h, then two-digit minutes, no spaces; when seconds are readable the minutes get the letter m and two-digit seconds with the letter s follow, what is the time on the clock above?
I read 1h33m01s
